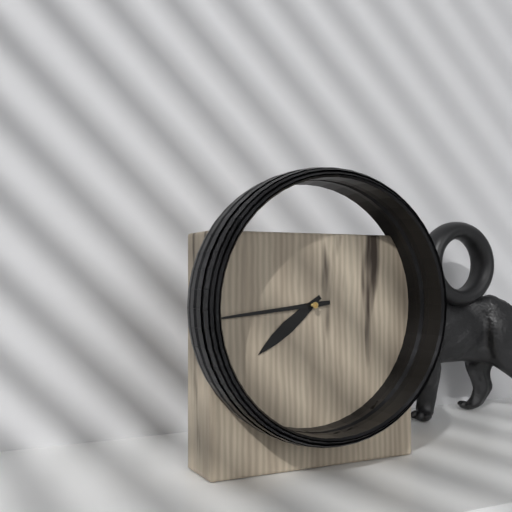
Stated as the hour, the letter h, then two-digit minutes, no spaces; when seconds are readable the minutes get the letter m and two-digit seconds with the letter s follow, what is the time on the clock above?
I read 7h44
